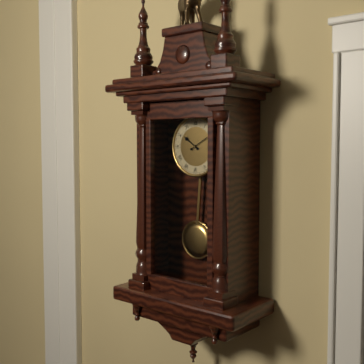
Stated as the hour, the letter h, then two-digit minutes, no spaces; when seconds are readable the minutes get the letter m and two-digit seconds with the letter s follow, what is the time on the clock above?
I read 10h10
